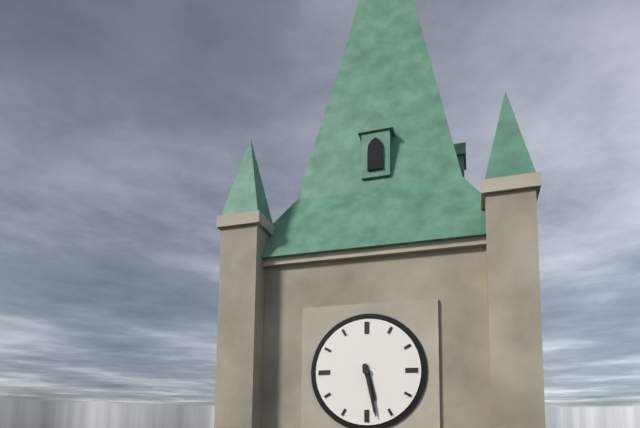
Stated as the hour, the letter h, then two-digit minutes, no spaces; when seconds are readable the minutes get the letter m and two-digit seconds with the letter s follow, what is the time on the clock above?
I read 5h28
